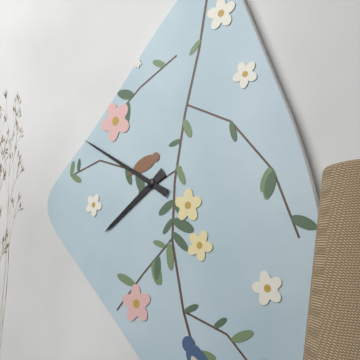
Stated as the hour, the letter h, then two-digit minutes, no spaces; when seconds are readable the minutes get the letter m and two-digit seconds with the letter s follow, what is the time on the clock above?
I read 7h50
